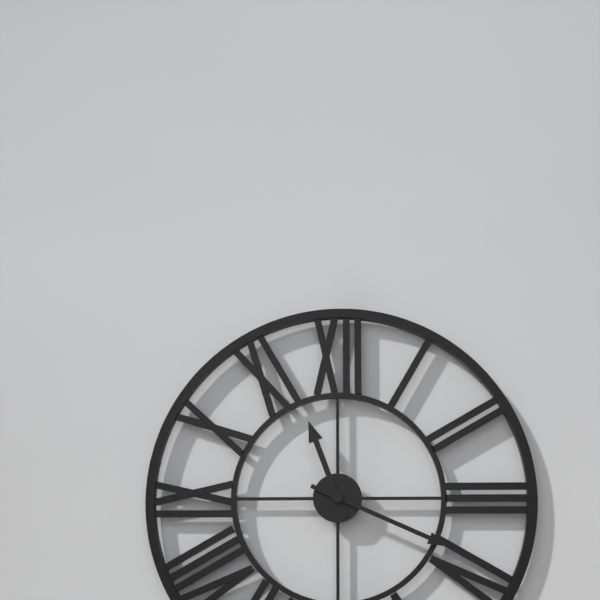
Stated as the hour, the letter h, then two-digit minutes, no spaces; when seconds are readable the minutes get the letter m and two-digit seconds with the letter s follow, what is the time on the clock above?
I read 11h19
